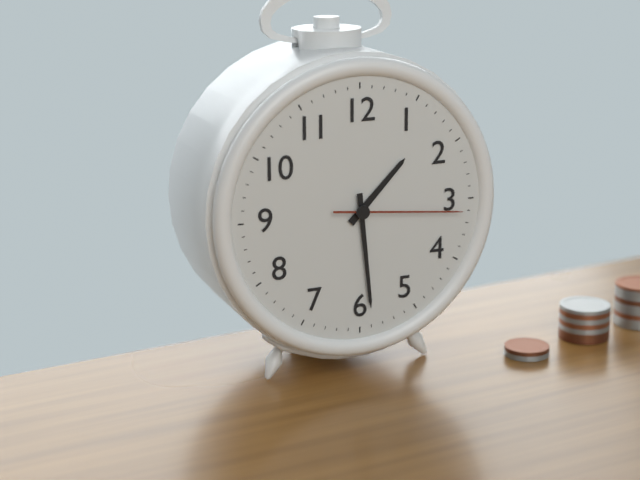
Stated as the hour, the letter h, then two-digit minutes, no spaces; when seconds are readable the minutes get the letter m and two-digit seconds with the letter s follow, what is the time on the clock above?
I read 1h29m16s
